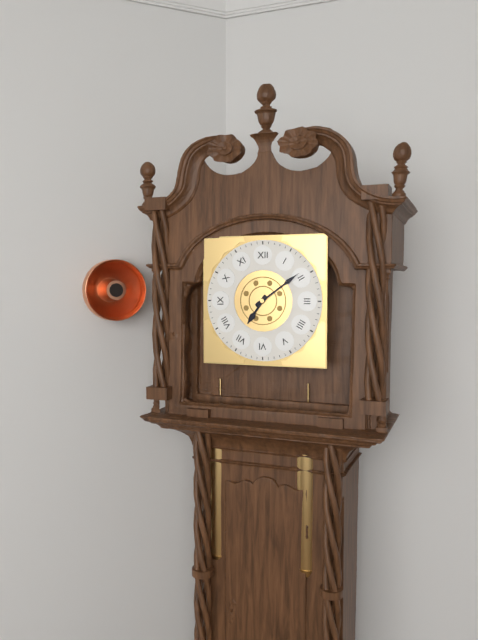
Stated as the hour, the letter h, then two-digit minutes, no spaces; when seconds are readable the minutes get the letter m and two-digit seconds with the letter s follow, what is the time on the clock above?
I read 7h09
